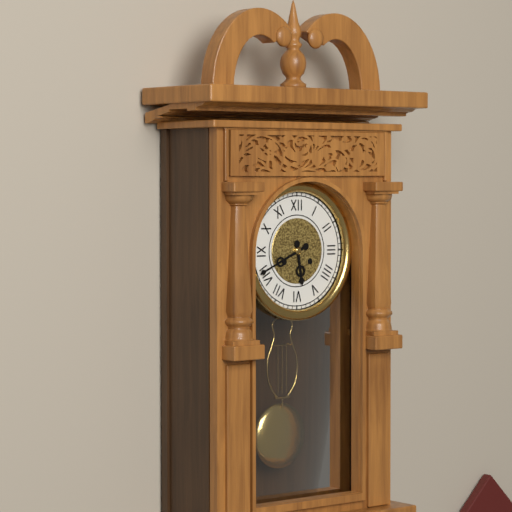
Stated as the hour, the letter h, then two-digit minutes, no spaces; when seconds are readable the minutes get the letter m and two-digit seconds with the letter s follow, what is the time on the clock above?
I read 5h41
